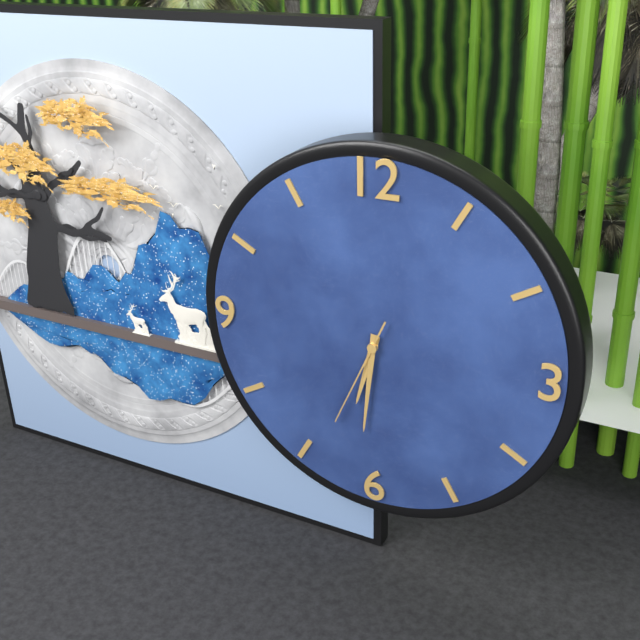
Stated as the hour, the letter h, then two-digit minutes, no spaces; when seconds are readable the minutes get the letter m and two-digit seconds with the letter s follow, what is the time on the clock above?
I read 6h31m34s
